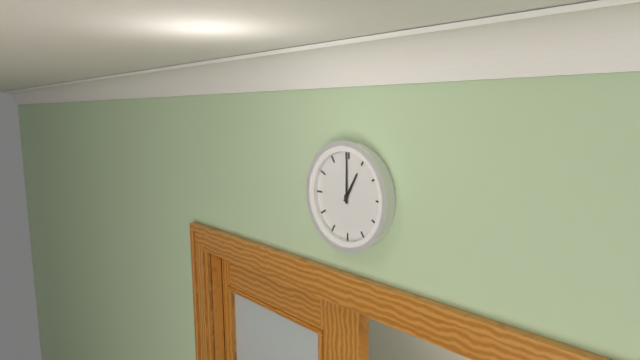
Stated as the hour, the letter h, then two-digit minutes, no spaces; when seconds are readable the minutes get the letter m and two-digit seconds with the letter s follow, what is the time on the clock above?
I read 1h00
